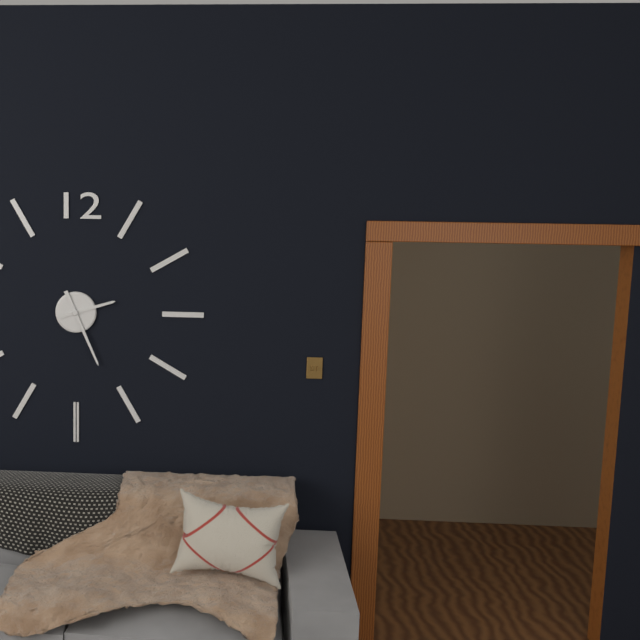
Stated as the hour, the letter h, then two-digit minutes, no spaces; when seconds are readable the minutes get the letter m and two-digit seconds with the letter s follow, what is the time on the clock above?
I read 2h26
